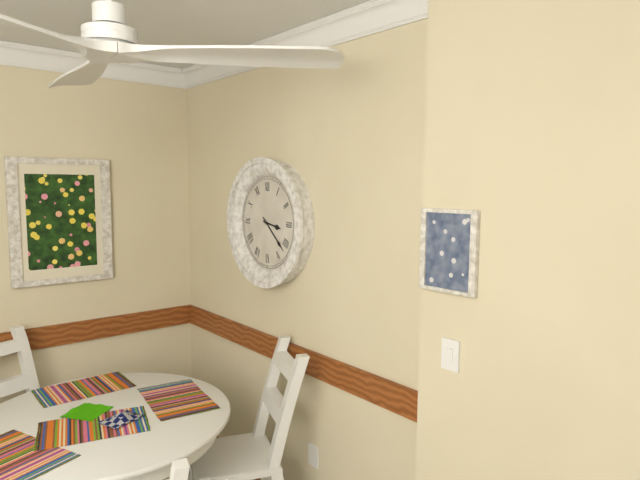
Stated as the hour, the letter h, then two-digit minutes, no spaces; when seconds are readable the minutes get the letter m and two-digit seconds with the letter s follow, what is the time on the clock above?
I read 3h22
